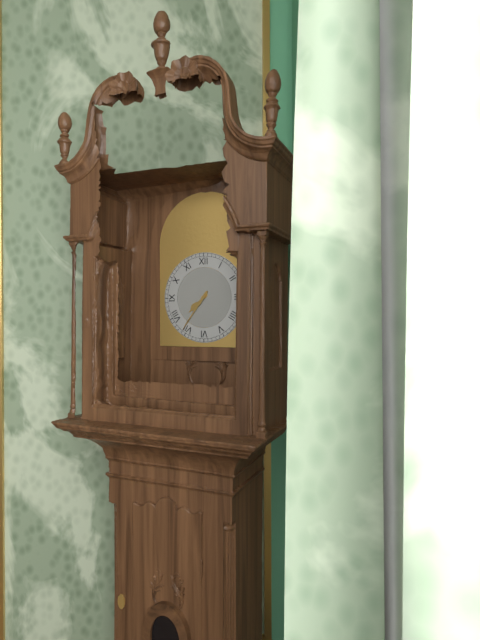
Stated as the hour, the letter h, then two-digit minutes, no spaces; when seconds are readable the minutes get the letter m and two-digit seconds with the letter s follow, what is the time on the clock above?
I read 7h36
